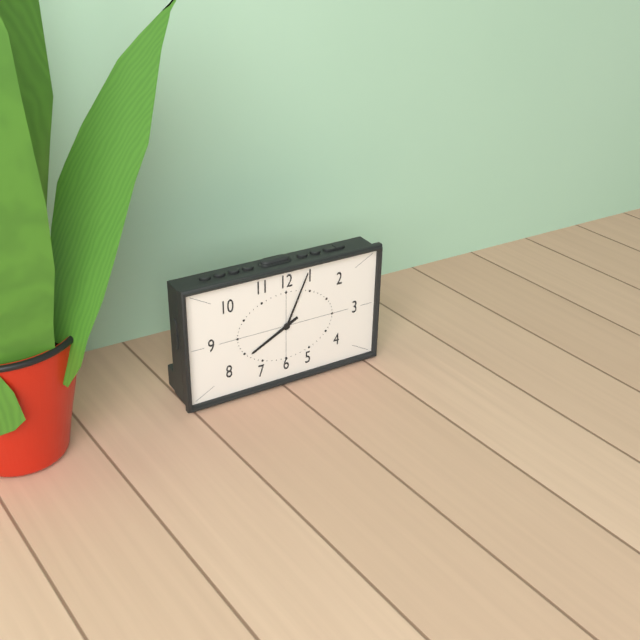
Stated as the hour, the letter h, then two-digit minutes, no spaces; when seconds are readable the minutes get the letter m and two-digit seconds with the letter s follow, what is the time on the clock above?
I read 8h04
